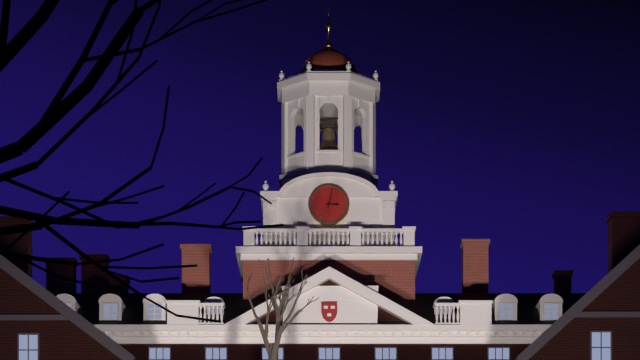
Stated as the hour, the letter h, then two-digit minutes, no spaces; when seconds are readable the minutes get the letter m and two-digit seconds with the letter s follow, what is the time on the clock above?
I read 3h02
